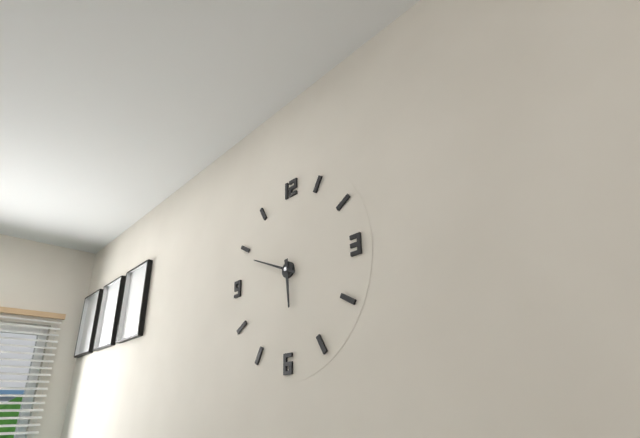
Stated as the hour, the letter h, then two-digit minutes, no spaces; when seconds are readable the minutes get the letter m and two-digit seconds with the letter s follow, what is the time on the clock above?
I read 5h49
